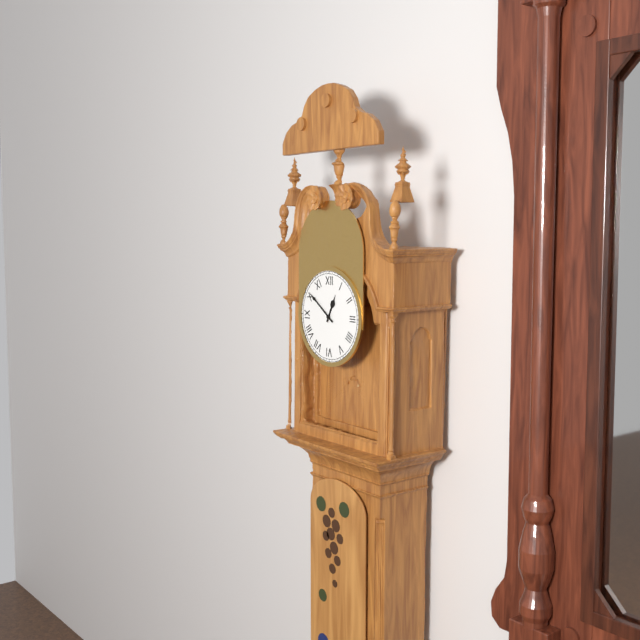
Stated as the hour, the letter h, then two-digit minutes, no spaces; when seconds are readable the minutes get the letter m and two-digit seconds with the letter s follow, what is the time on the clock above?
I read 12h51
